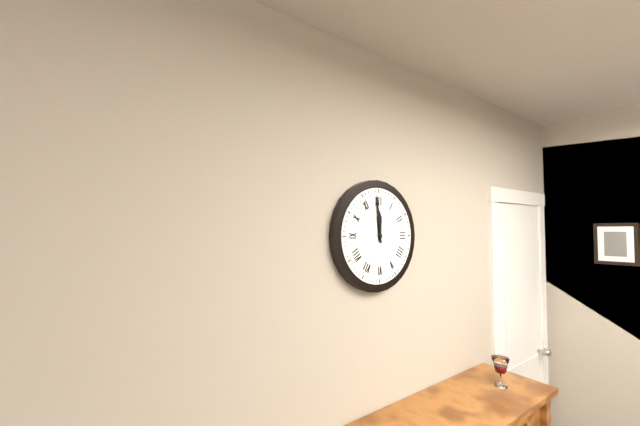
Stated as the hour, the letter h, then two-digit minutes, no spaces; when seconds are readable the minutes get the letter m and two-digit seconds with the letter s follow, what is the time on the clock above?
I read 11h59
